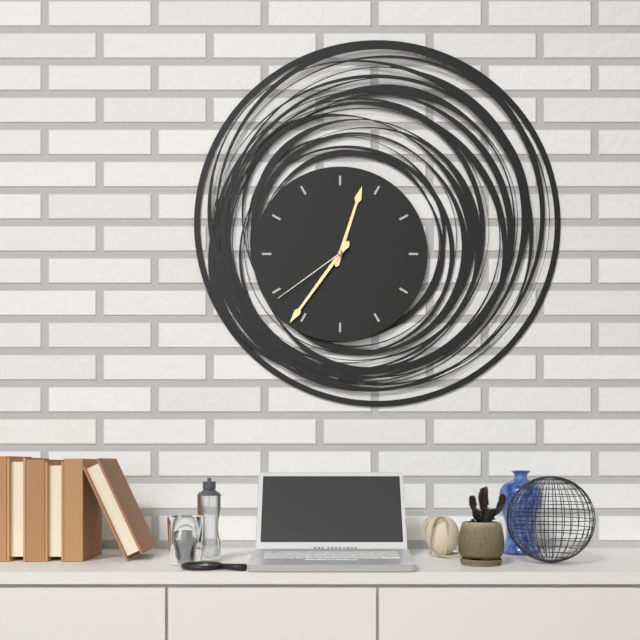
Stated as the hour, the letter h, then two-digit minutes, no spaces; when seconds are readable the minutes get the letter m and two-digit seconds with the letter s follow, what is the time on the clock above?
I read 12h36m39s
